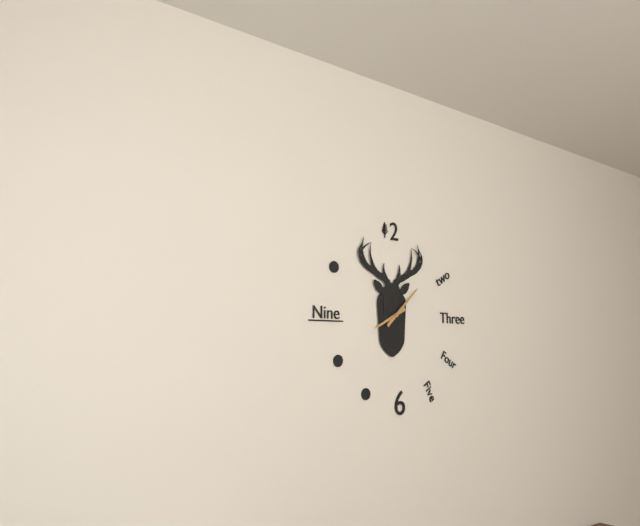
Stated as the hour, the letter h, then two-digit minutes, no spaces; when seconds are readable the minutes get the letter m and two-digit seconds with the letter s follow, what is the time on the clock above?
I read 8h08
